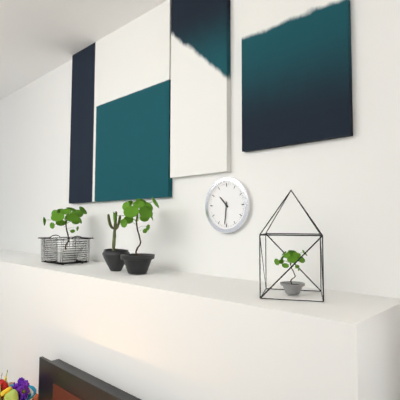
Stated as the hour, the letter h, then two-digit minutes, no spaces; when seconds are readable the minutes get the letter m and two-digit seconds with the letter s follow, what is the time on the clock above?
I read 10h31
